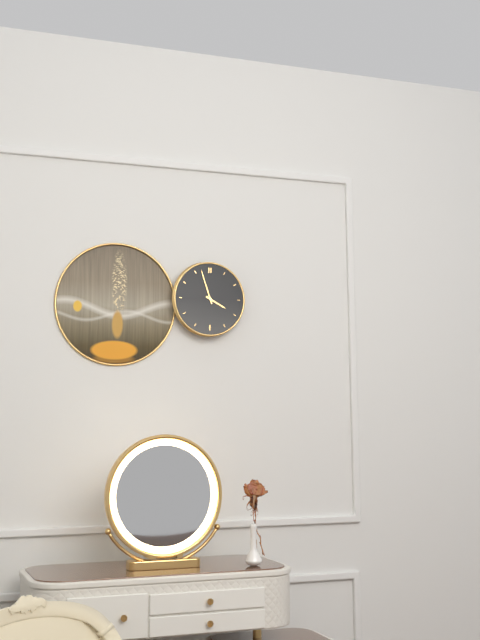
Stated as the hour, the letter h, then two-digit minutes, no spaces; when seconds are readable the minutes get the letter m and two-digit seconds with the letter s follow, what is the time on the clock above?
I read 3h57
